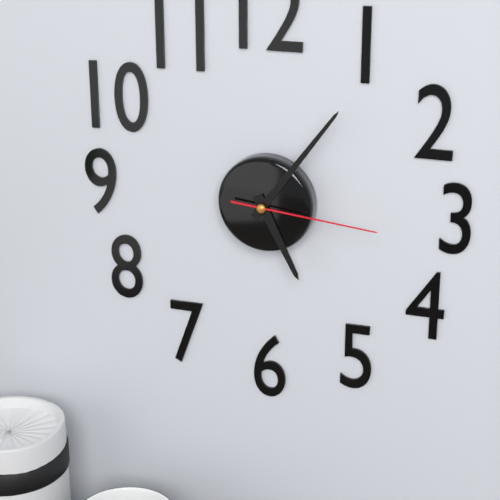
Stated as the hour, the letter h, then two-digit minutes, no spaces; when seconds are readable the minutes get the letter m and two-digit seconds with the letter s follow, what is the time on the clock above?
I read 5h06m16s
